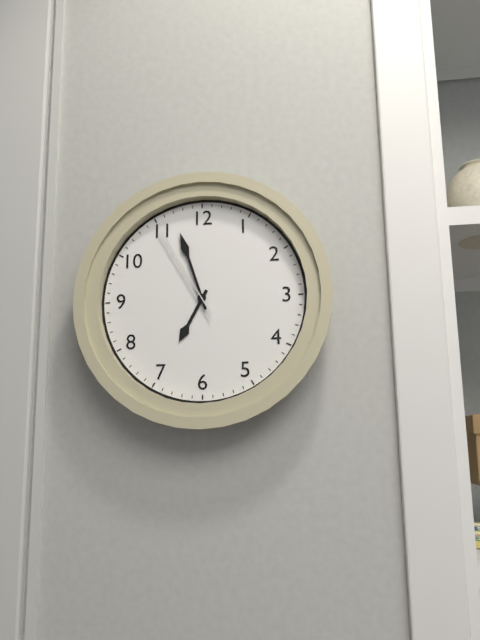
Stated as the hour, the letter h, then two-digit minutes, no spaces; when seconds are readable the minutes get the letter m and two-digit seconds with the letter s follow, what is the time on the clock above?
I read 6h57m55s
